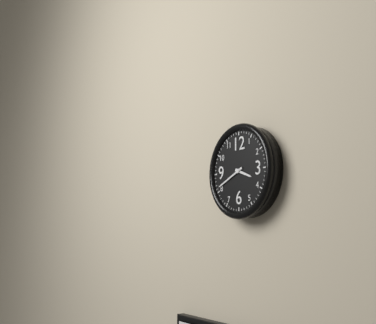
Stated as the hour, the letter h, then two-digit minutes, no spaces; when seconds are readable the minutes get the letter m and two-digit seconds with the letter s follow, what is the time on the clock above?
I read 3h41
